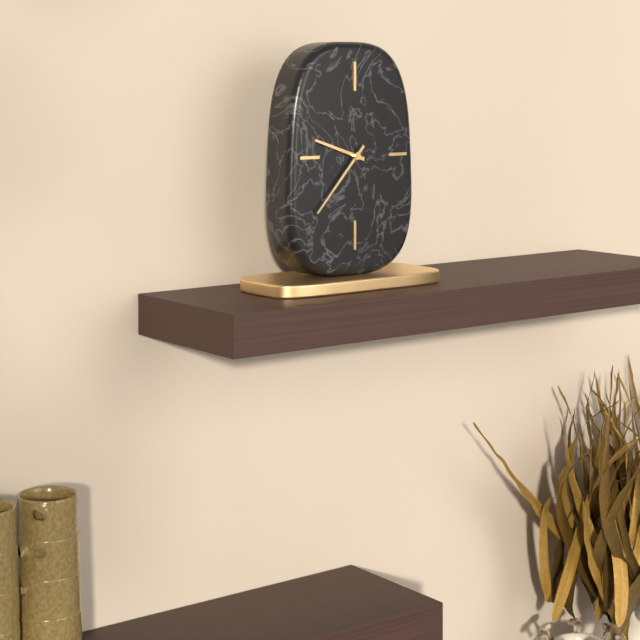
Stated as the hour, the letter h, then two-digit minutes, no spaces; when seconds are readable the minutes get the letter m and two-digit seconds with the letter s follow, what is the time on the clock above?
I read 9h37
